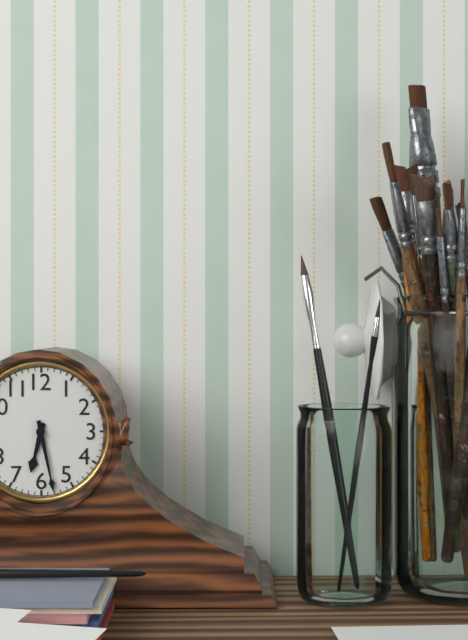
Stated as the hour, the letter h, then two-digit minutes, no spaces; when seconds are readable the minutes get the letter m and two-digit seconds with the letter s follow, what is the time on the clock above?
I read 6h28
